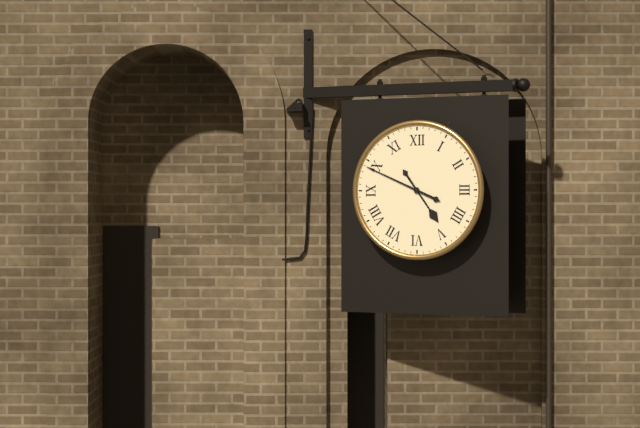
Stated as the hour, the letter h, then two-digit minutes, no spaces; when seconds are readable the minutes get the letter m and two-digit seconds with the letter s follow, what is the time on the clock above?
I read 4h49
